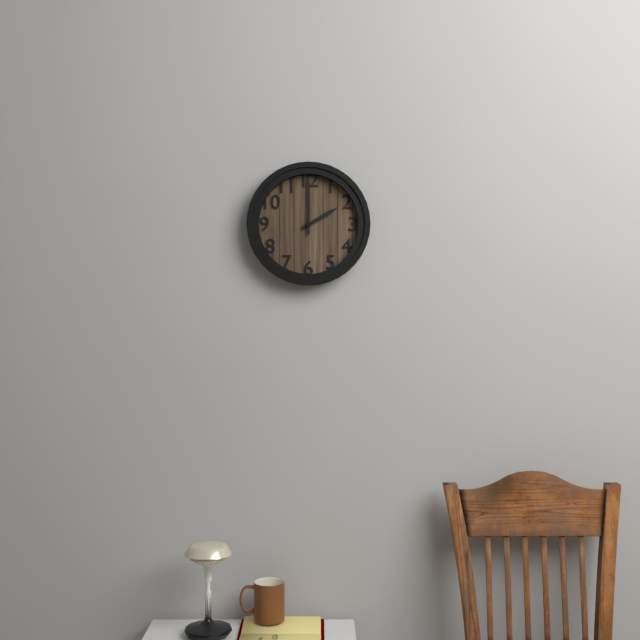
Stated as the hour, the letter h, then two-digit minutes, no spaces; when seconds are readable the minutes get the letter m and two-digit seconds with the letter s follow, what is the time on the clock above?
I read 2h00
